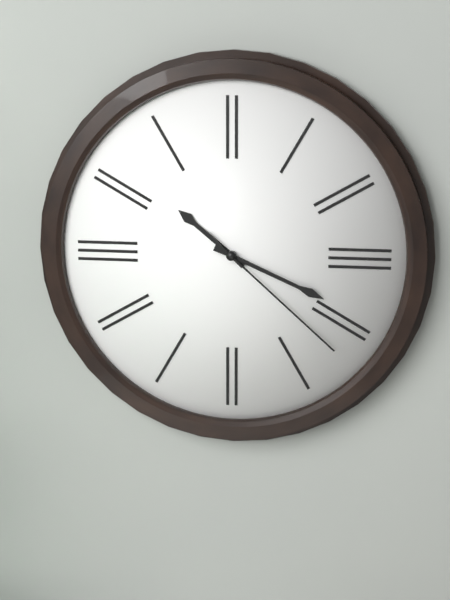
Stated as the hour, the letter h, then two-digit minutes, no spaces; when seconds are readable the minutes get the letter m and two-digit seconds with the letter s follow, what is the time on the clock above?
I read 10h19m22s
